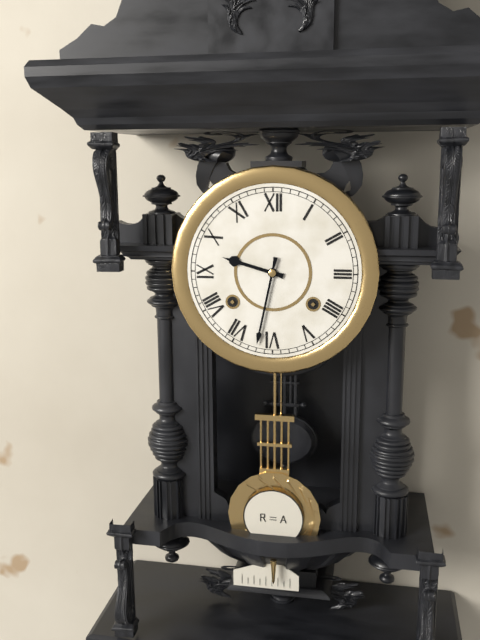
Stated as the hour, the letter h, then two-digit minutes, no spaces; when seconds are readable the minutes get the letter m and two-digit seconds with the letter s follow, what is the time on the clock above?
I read 9h32
